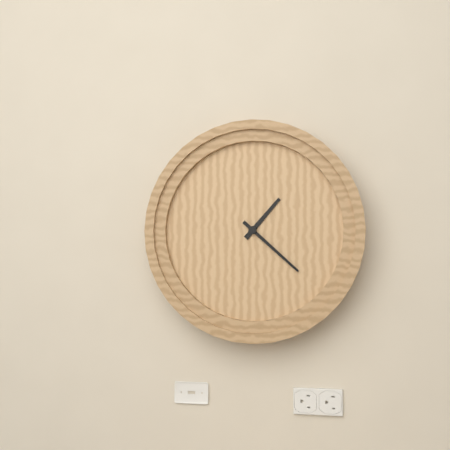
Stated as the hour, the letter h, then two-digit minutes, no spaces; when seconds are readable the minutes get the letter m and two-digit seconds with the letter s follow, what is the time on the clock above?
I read 1h22
